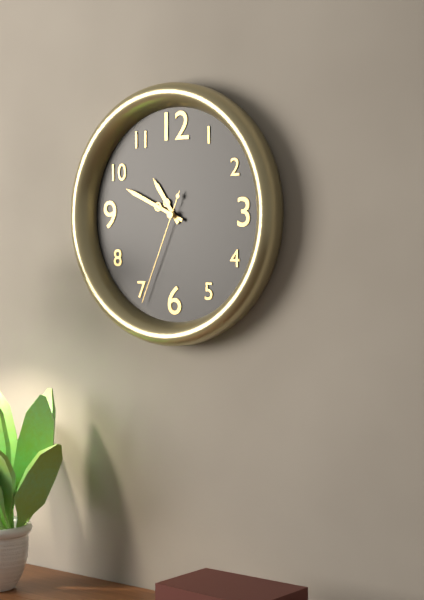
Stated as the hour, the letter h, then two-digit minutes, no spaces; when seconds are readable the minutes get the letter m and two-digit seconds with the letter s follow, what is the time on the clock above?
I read 10h49m34s
